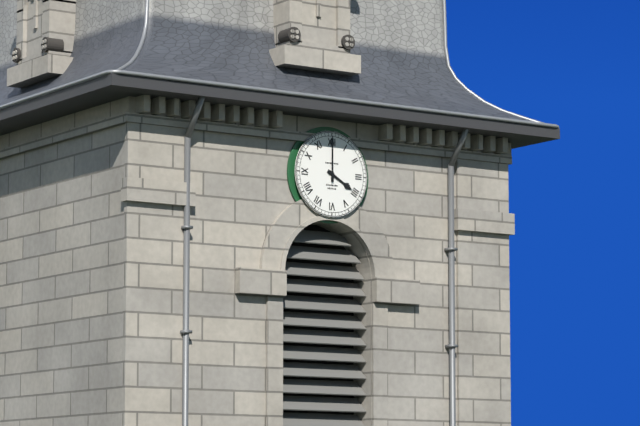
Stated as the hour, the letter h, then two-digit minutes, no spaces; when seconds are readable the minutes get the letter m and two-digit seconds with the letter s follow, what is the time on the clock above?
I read 4h00
